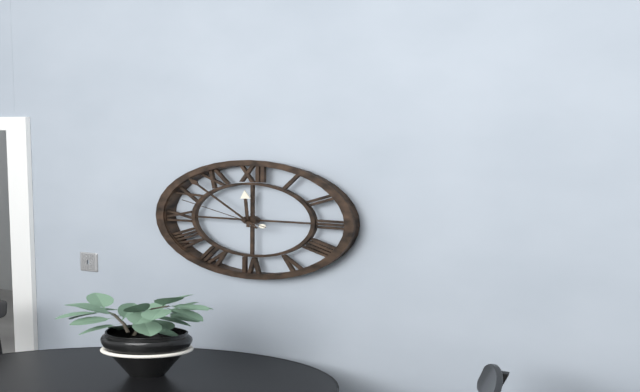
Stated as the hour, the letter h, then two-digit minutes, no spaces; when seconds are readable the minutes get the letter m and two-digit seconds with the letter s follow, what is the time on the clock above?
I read 11h53m49s
